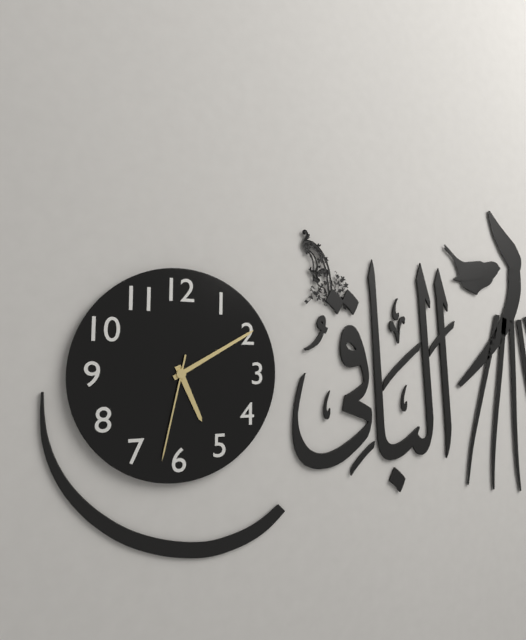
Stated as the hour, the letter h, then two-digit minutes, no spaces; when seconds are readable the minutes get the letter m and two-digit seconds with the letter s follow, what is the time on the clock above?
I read 5h10m32s
